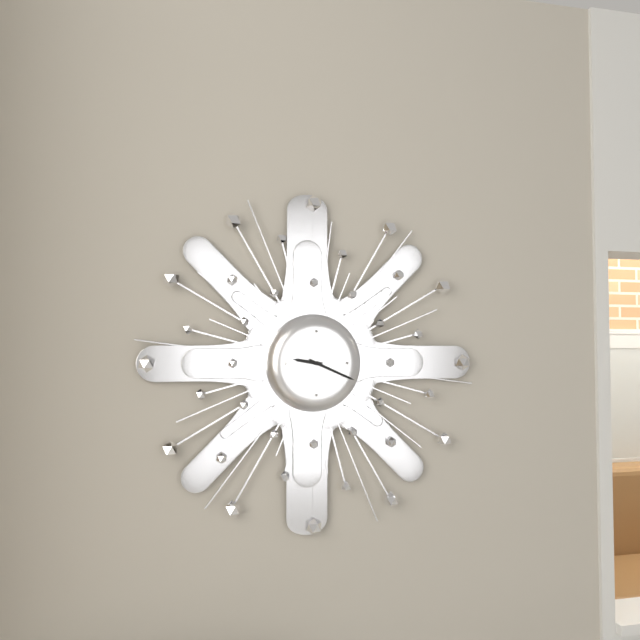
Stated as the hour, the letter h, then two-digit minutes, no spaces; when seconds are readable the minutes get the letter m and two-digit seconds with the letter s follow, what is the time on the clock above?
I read 9h19
